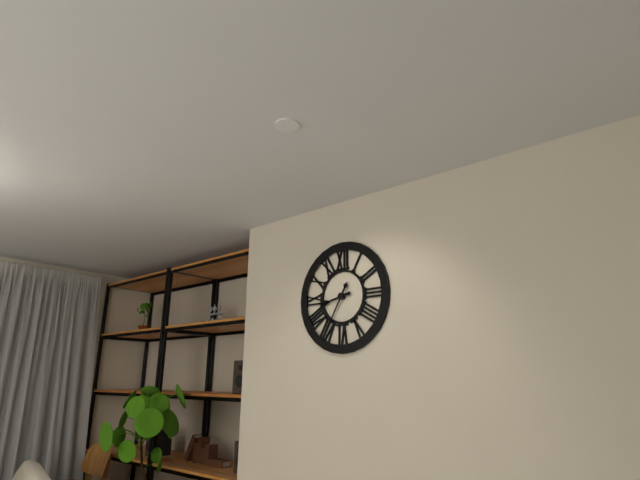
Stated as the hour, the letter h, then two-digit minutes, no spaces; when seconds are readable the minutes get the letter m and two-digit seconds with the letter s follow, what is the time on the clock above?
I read 8h35
